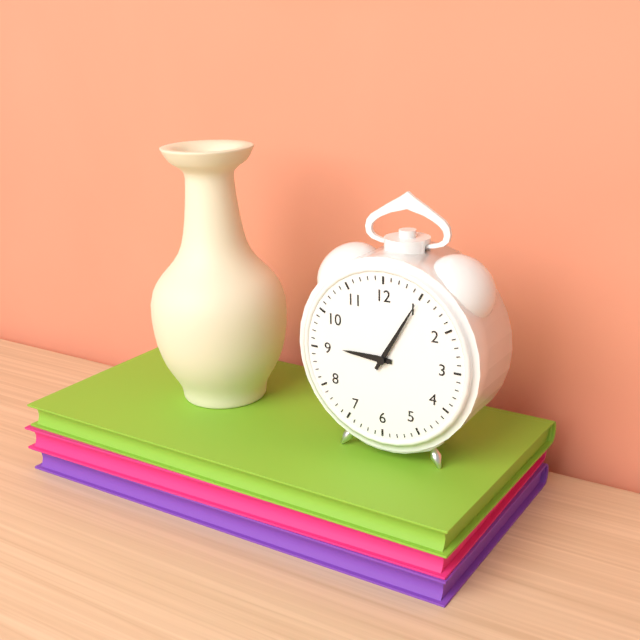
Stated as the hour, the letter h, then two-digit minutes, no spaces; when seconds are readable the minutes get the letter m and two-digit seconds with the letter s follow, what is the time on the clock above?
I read 9h05
